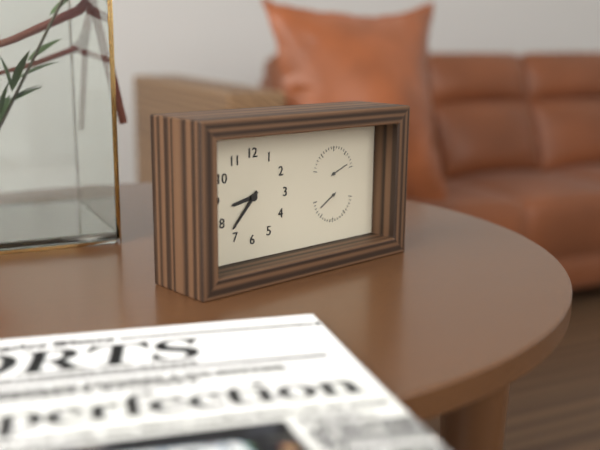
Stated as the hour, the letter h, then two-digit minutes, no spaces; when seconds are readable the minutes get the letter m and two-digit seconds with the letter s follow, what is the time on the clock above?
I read 8h37
